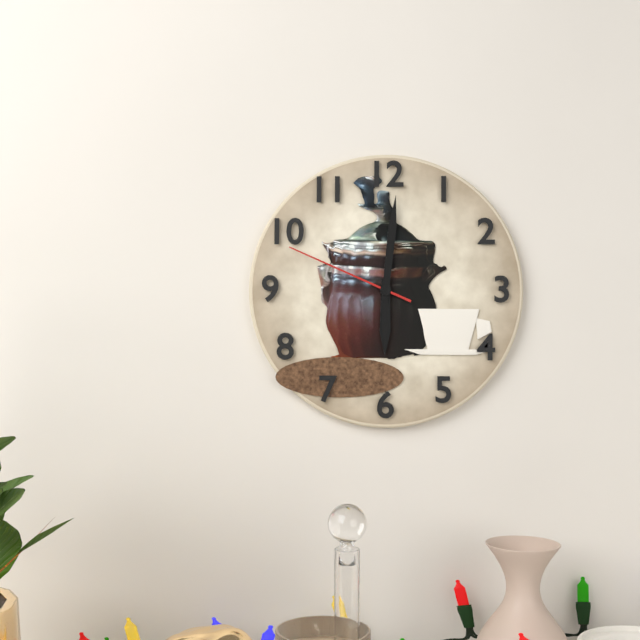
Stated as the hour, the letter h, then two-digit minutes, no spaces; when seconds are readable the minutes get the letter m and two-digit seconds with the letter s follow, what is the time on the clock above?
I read 6h01m49s
